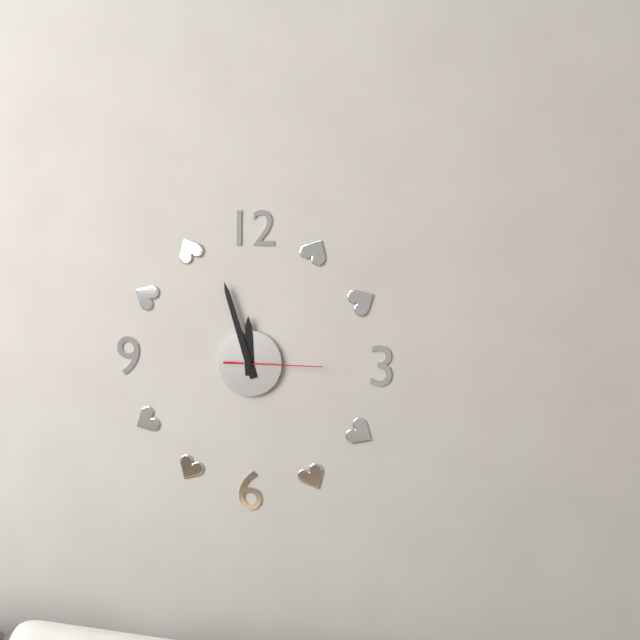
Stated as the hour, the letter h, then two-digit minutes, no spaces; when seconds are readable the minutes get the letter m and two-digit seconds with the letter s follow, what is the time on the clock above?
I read 11h57m15s
